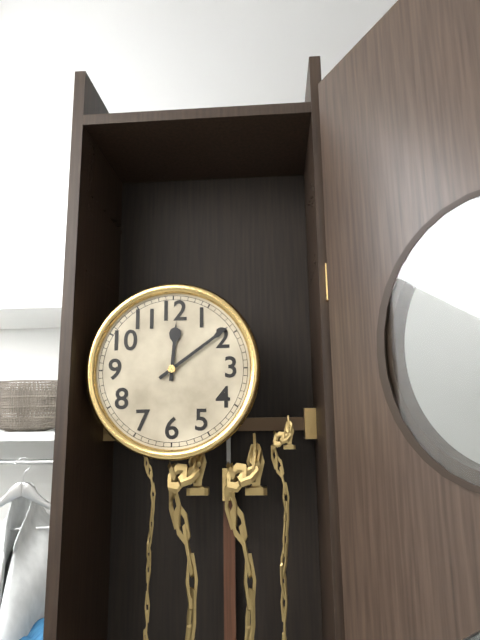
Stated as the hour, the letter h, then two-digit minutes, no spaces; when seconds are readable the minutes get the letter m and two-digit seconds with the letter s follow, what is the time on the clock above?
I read 12h09
